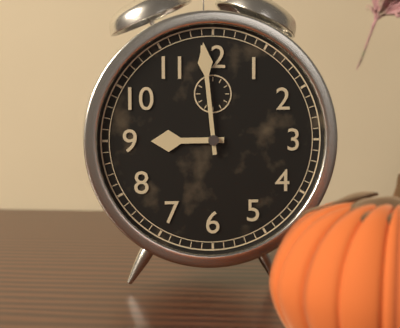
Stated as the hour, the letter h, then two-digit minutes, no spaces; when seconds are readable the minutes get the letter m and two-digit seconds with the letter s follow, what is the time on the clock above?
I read 8h59
